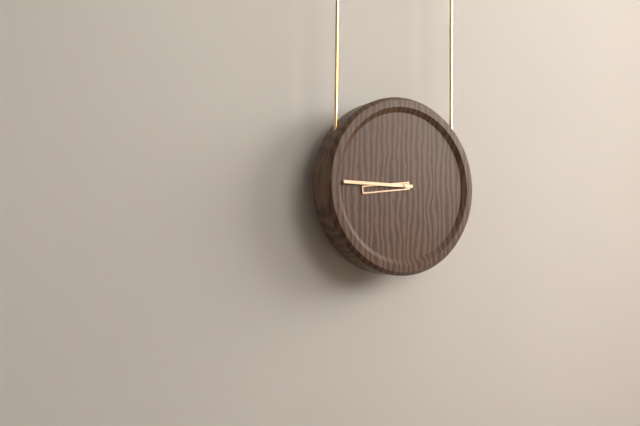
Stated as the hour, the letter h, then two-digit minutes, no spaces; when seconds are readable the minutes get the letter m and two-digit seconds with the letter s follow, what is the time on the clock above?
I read 8h45
